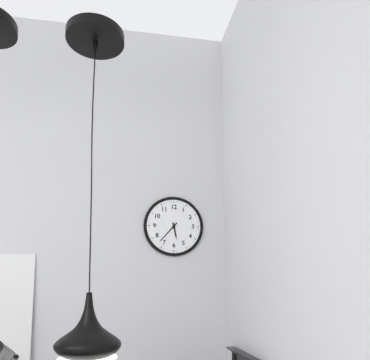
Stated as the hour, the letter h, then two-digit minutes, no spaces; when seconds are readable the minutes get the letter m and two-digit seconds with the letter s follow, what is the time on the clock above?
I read 5h37
